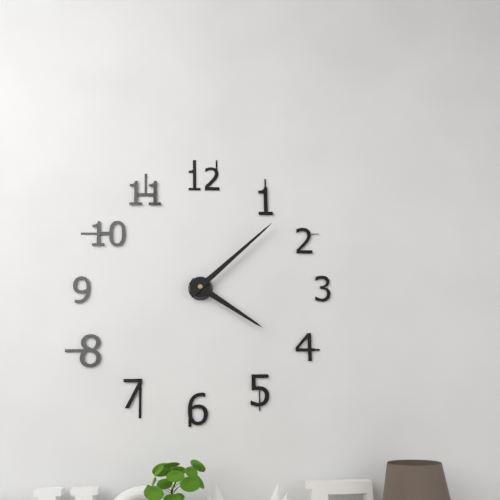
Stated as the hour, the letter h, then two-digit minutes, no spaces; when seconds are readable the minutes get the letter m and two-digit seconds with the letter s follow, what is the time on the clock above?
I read 4h08
